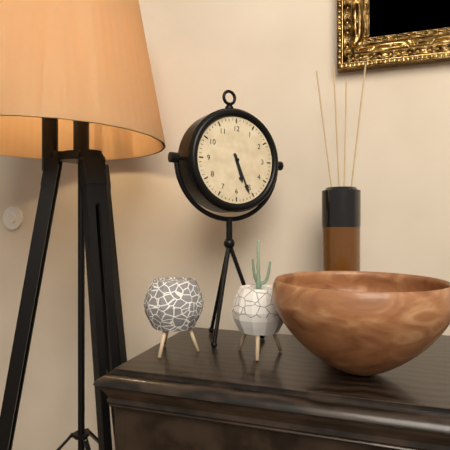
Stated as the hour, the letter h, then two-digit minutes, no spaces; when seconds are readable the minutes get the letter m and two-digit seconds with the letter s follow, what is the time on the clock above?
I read 5h26
